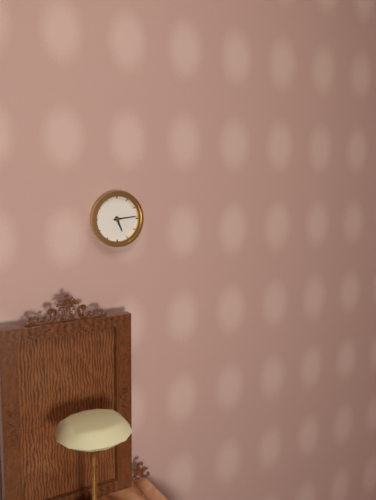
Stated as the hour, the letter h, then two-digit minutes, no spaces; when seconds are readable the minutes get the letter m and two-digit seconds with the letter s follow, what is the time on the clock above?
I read 5h14
